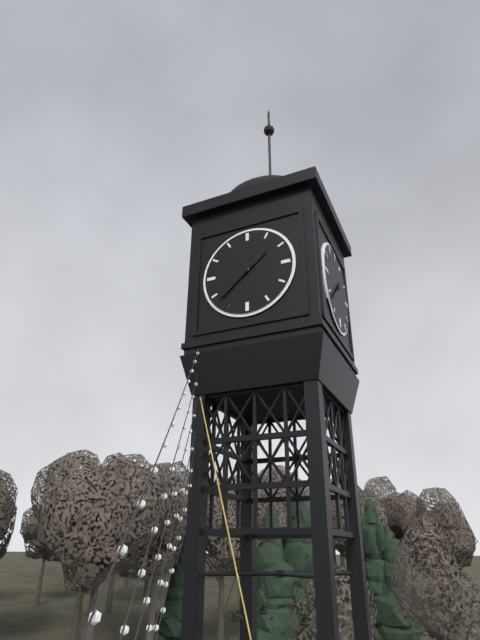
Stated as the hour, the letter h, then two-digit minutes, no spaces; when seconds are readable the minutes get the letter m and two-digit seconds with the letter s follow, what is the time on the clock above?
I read 1h38
